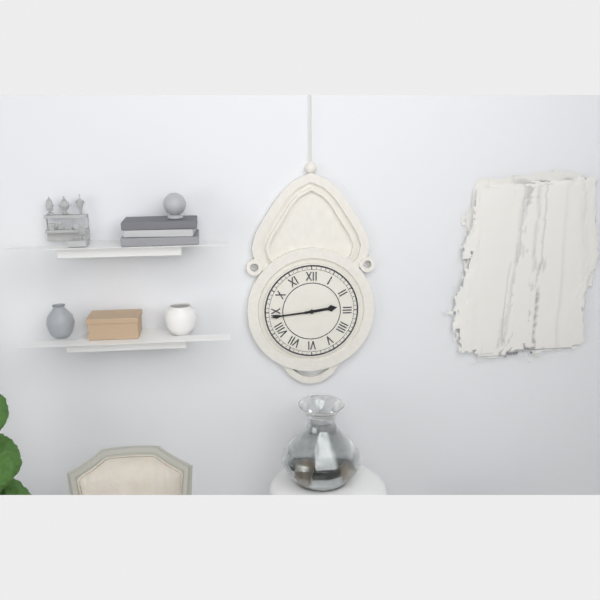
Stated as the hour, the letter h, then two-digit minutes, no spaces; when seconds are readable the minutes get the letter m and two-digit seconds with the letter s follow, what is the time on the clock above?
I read 2h44
